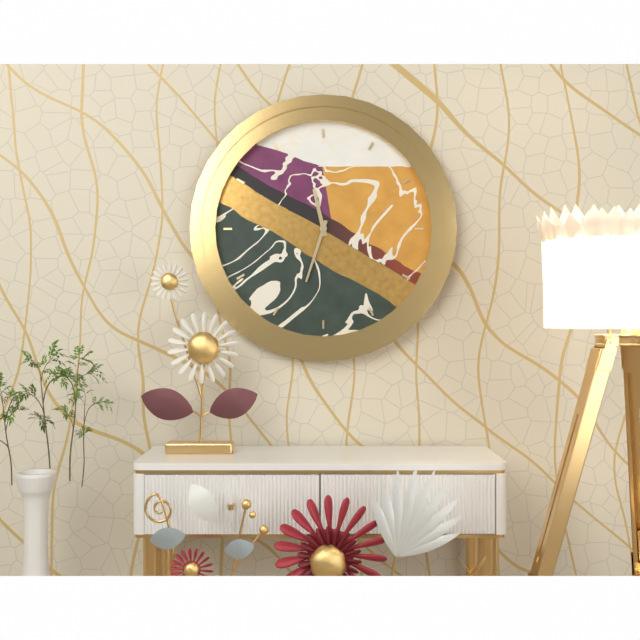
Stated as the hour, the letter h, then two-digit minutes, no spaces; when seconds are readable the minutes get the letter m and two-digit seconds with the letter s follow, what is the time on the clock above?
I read 11h33
